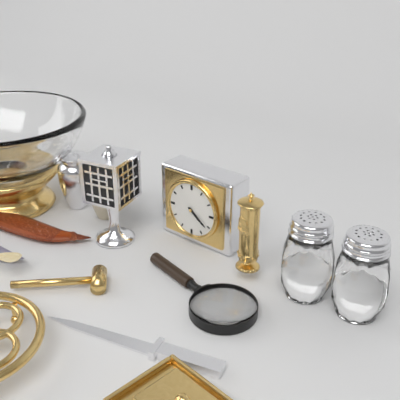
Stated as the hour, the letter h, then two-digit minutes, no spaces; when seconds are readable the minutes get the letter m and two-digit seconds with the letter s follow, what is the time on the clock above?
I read 4h21
